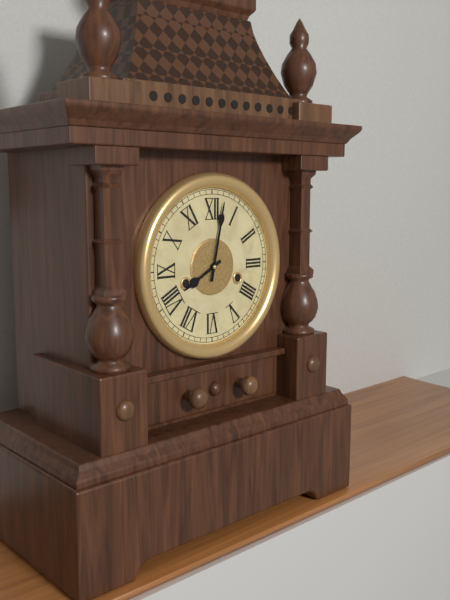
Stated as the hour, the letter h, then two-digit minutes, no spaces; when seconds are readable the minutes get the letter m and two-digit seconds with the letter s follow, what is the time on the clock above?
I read 8h02
